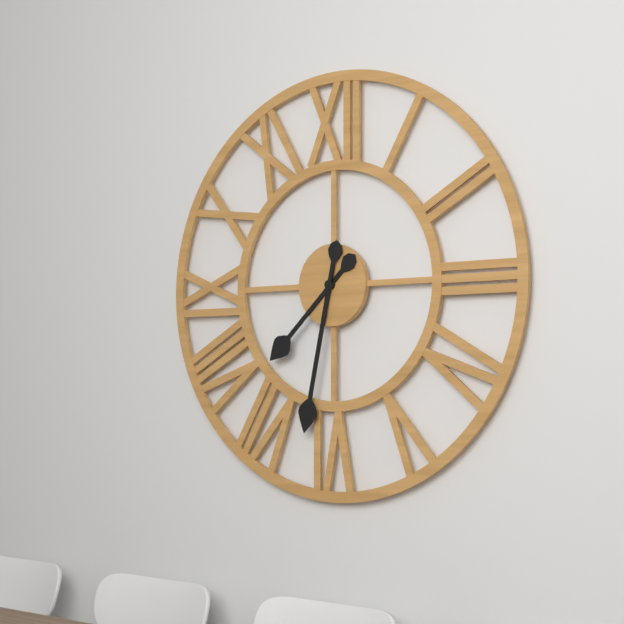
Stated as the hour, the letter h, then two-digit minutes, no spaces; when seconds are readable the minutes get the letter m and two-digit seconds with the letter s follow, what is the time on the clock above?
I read 7h32
